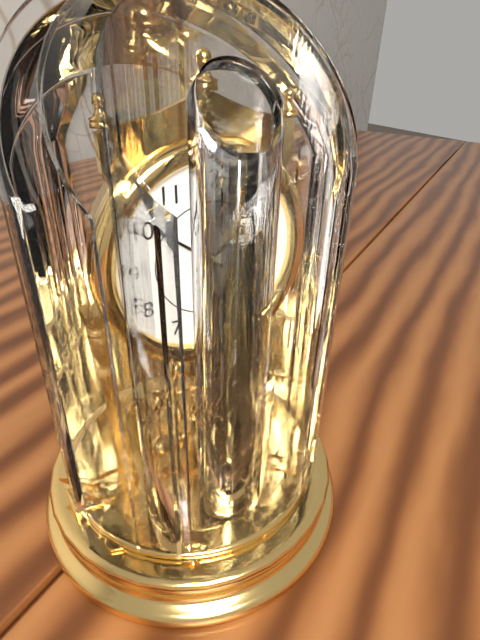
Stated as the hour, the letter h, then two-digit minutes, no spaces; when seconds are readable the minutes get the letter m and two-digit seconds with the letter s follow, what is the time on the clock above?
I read 1h51
